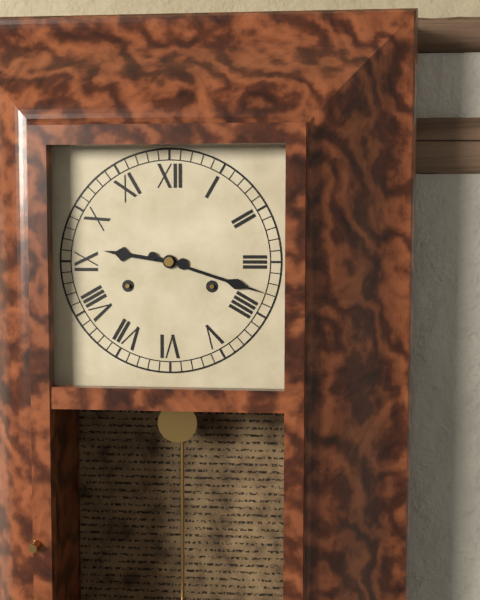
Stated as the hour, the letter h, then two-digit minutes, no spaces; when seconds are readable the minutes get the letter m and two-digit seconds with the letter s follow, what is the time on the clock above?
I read 9h18
